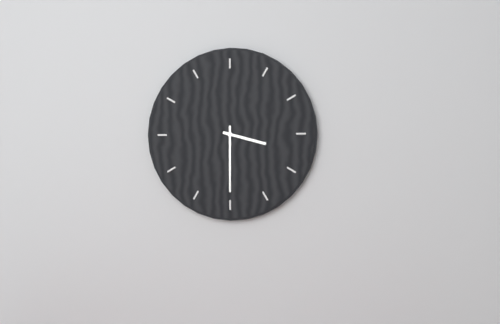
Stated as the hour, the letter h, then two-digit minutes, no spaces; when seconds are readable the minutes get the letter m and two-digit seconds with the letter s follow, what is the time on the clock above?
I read 3h30
